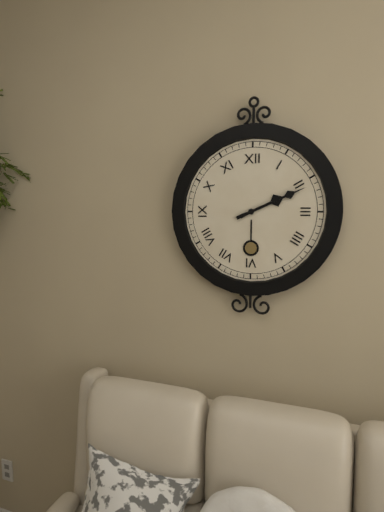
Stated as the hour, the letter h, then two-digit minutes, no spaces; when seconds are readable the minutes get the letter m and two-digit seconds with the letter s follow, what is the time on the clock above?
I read 2h11
